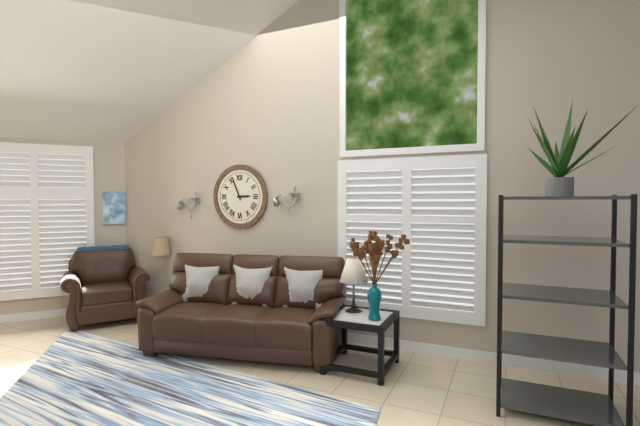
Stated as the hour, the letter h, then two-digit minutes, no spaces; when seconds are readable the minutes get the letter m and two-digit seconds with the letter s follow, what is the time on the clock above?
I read 2h56
